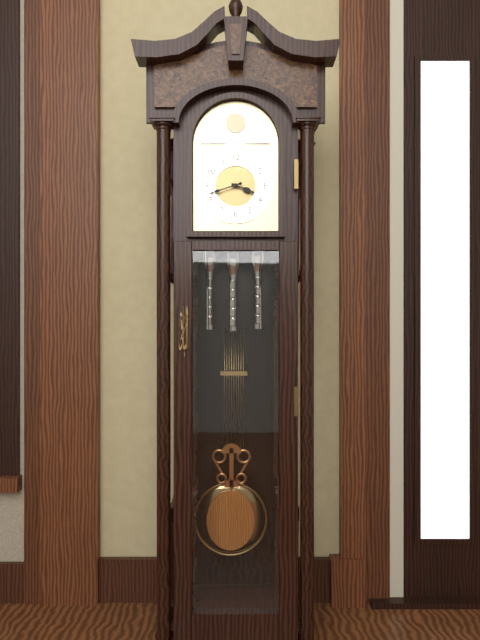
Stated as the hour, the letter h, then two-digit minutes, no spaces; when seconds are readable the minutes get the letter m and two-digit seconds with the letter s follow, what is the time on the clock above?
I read 3h42
